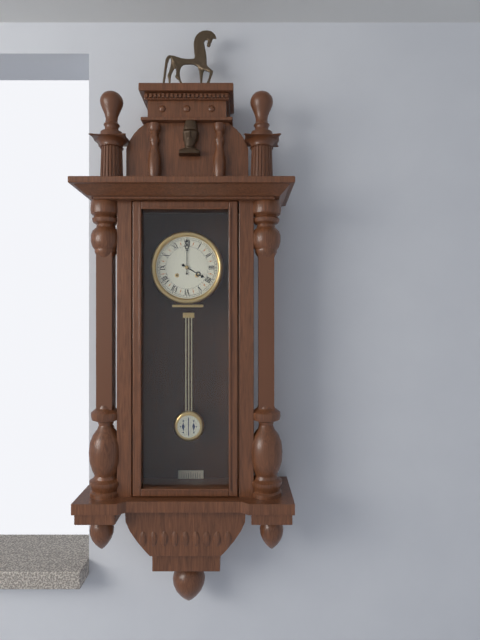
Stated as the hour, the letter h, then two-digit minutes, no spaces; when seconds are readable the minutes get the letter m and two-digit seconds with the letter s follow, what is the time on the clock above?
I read 4h00
